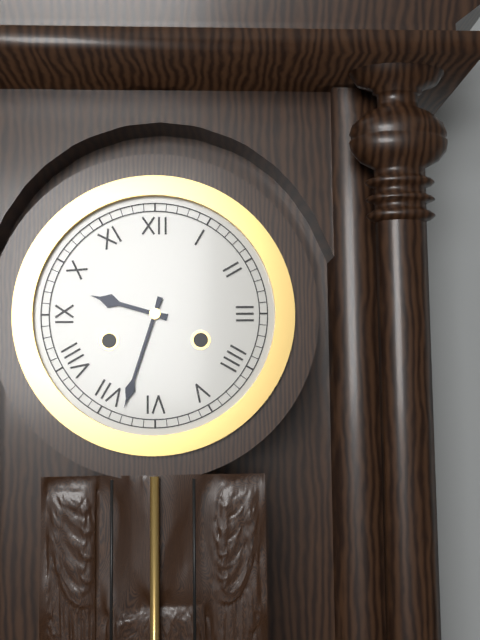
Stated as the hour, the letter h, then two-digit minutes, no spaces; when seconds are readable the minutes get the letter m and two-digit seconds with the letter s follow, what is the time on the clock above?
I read 9h33
